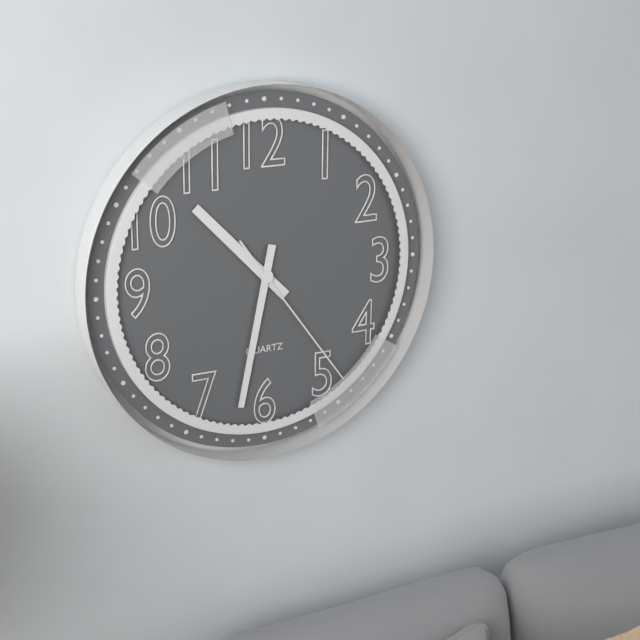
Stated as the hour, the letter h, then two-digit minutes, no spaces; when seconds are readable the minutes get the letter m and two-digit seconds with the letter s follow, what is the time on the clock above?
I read 10h32m24s
